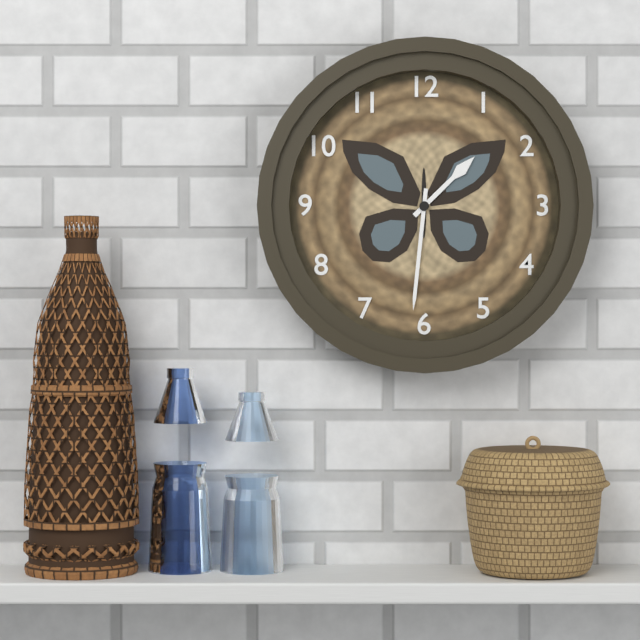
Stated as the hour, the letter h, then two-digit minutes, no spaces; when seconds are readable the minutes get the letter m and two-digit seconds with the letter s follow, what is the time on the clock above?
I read 1h31
